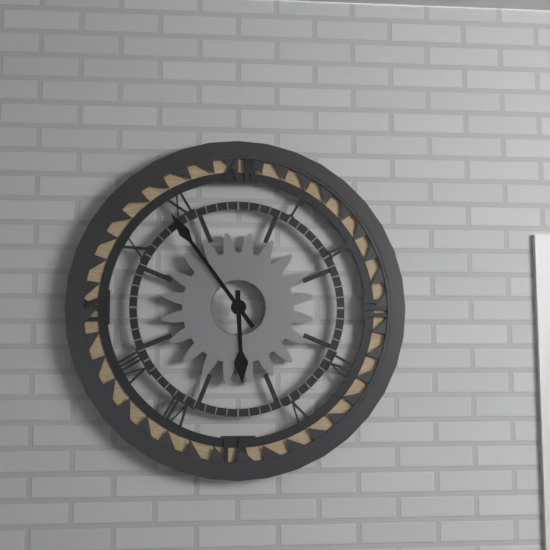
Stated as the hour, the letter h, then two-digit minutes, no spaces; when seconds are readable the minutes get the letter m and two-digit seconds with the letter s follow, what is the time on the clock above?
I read 5h54
